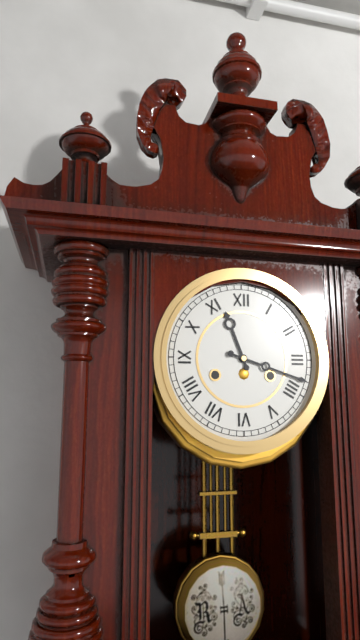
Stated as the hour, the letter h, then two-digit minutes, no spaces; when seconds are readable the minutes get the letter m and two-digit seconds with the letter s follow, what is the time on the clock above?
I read 11h18
